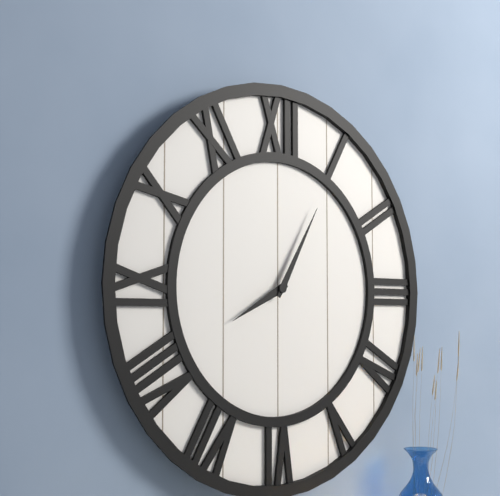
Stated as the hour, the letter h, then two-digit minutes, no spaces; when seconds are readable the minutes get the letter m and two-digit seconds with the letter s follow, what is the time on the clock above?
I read 8h05
